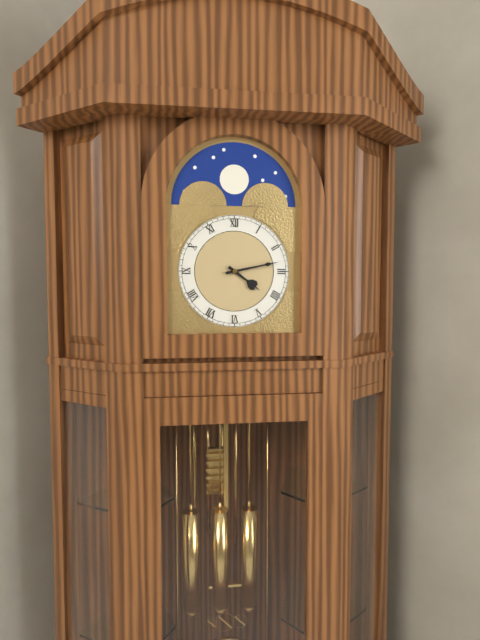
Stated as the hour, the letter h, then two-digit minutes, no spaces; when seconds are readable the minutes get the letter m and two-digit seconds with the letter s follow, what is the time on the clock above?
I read 4h13
